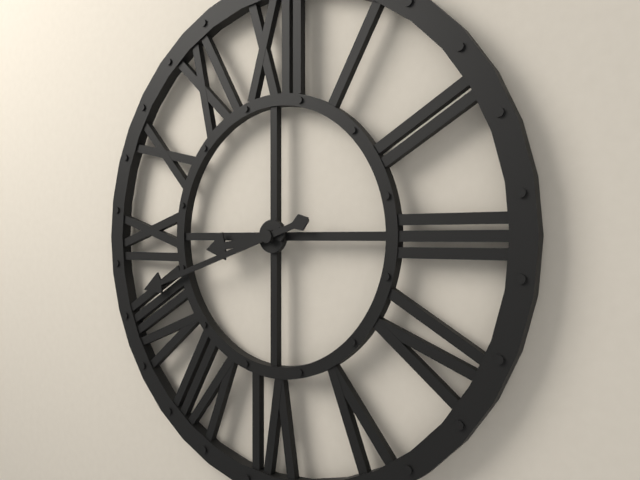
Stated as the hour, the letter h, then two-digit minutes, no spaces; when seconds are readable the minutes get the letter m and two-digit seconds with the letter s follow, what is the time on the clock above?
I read 8h42
